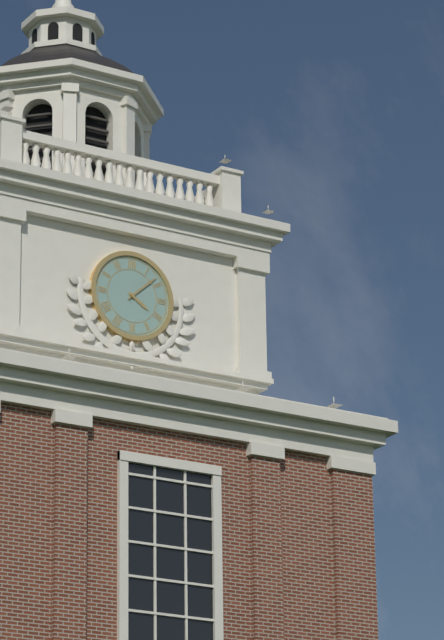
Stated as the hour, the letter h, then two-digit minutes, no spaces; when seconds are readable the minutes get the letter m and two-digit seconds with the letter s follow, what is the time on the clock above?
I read 4h08
